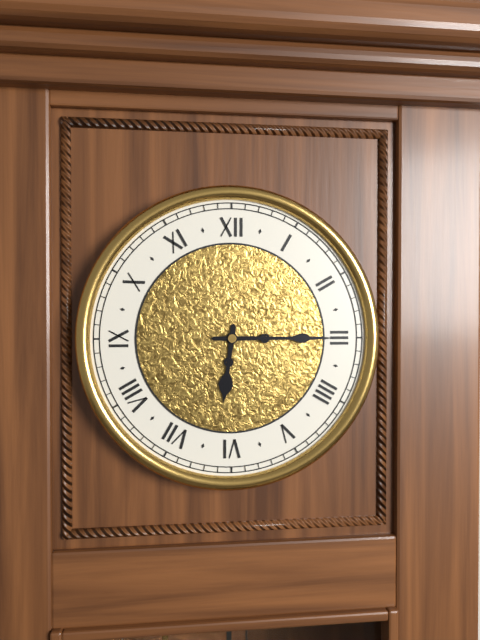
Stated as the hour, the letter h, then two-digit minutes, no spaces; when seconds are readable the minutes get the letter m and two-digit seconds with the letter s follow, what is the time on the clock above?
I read 6h15
